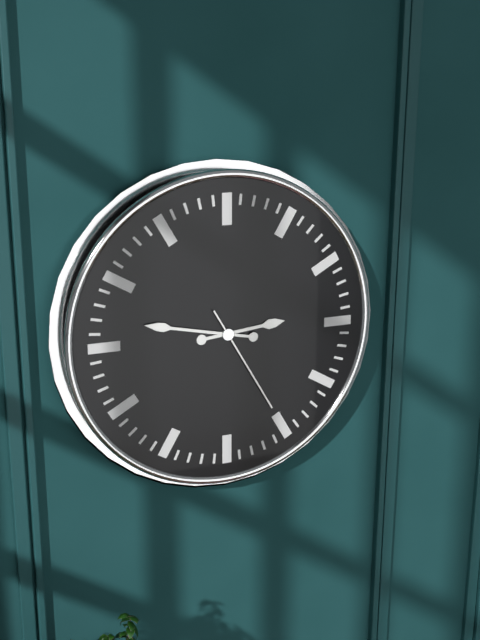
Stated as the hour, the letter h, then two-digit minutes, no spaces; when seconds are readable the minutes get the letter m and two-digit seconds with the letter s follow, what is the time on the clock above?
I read 2h47m25s
